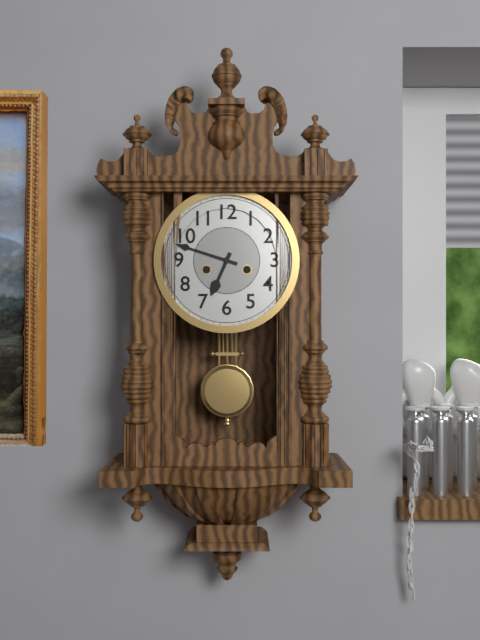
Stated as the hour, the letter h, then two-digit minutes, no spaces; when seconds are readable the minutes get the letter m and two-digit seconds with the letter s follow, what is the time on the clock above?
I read 6h48
